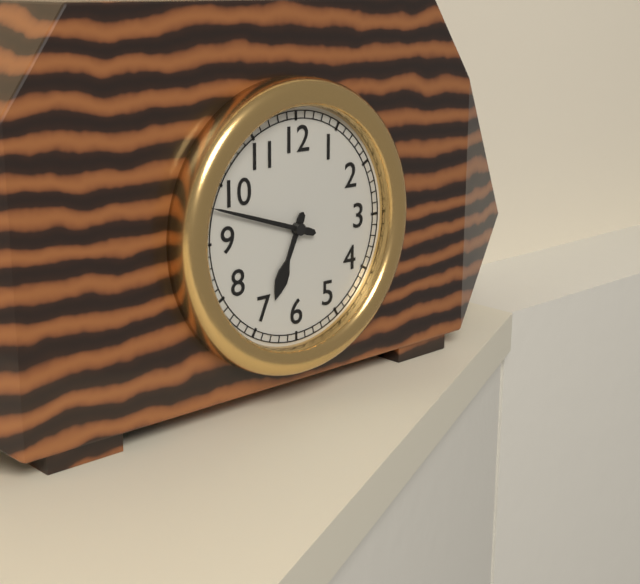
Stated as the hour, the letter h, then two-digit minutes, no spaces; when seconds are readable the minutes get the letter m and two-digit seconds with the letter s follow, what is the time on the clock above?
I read 6h48
